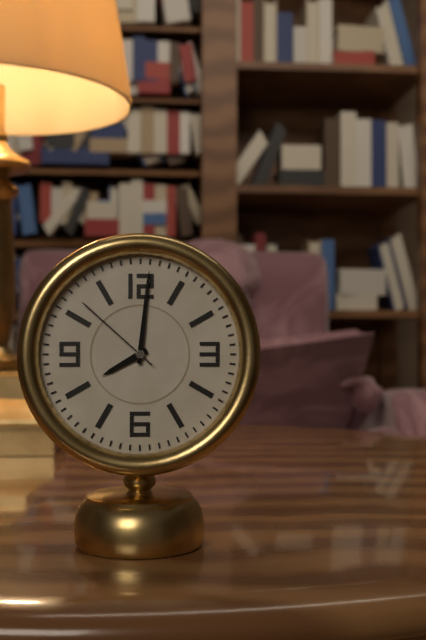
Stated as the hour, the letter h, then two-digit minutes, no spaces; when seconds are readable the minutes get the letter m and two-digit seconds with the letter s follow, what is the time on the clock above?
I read 8h01m52s
